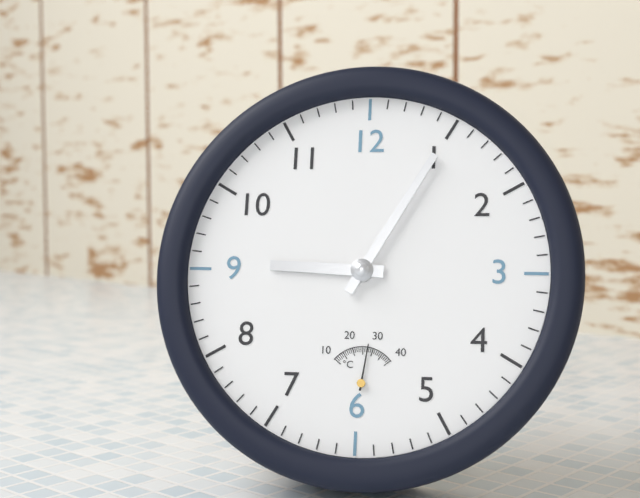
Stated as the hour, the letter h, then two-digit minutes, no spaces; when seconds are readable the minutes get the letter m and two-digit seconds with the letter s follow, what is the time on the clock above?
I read 9h05
